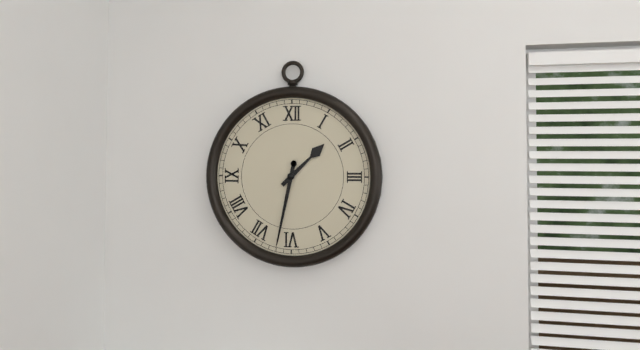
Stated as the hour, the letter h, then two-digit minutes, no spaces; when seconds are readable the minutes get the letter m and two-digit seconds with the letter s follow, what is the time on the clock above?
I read 1h32
